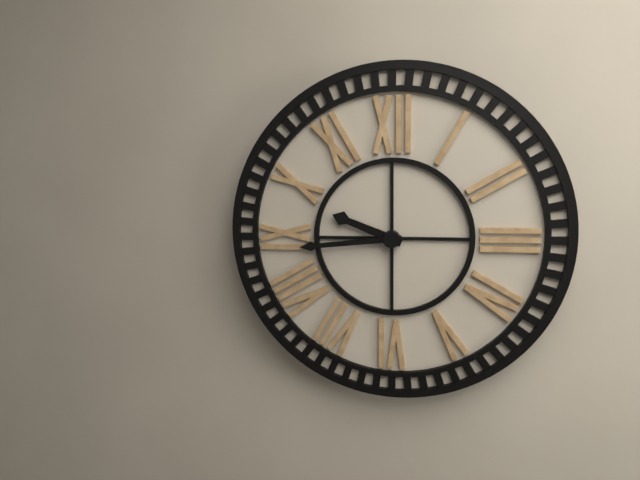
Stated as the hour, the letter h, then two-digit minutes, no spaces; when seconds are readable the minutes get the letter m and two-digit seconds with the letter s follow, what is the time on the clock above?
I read 9h44
